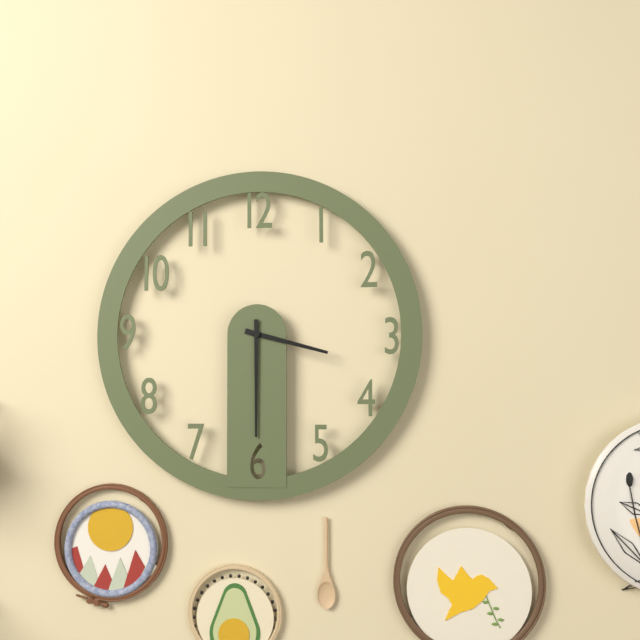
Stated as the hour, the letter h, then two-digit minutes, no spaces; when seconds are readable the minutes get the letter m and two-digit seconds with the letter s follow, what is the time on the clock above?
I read 3h30
